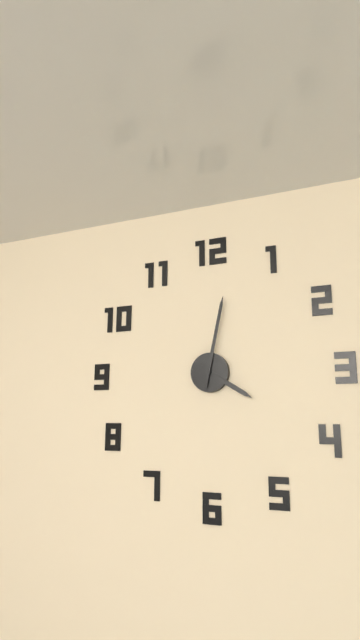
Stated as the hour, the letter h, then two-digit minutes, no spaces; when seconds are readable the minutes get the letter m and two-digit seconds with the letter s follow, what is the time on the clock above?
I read 4h02
